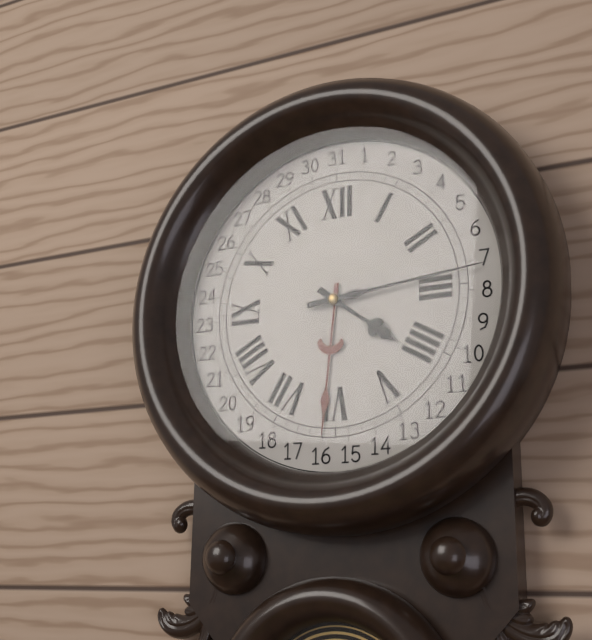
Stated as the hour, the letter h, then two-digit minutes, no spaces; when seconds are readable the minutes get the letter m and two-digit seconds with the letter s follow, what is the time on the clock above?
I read 4h14
